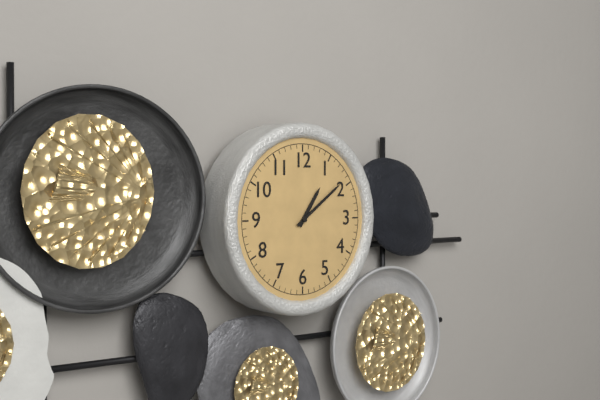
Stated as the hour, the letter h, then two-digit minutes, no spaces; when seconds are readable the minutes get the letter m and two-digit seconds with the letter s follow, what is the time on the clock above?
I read 1h09
